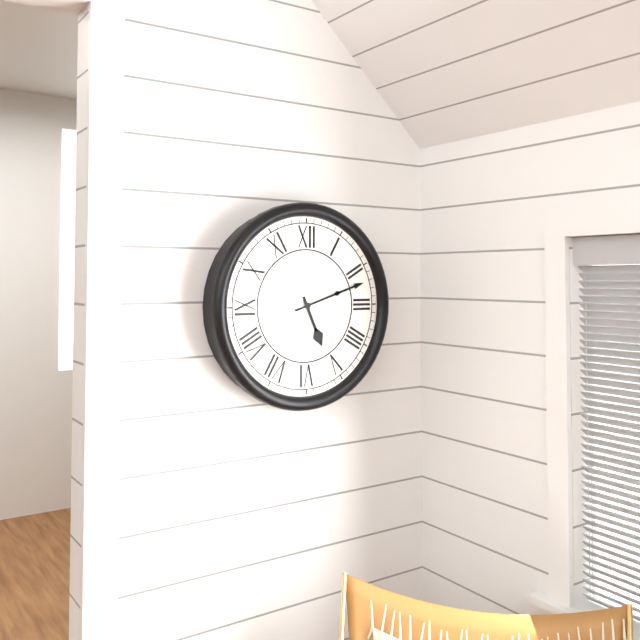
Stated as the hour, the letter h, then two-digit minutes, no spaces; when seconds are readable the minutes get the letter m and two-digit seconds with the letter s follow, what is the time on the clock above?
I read 5h12
